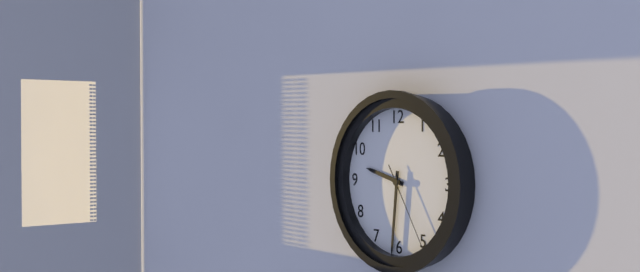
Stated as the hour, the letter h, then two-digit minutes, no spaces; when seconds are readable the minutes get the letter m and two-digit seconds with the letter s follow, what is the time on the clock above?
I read 9h31m25s
